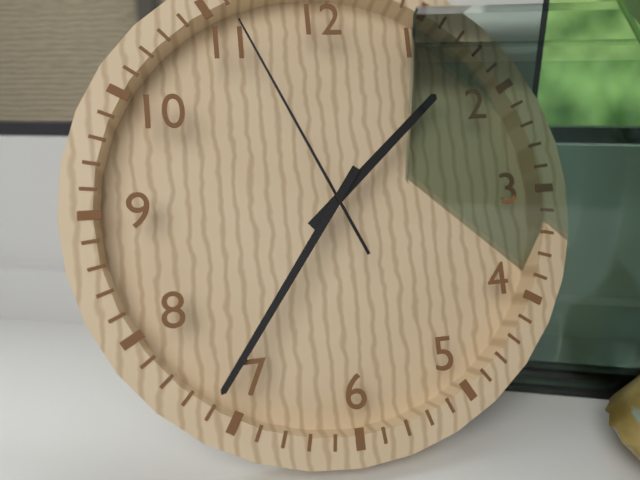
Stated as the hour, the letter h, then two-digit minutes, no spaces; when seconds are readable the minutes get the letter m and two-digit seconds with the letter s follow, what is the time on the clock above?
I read 1h36m56s
